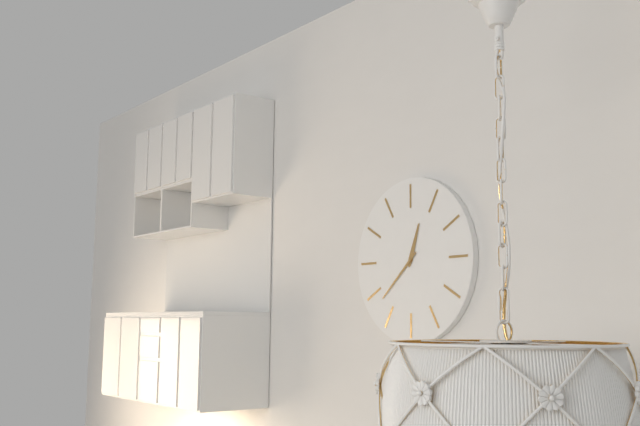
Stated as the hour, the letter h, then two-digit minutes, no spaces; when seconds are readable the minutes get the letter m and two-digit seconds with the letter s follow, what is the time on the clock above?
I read 12h38
